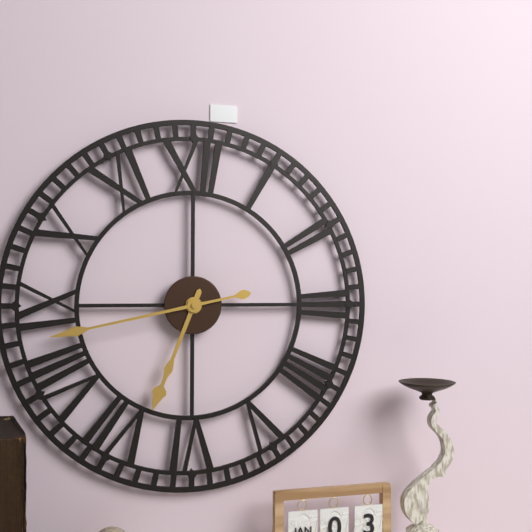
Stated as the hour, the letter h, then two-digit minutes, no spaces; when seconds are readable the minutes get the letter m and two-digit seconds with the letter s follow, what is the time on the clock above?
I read 6h43
